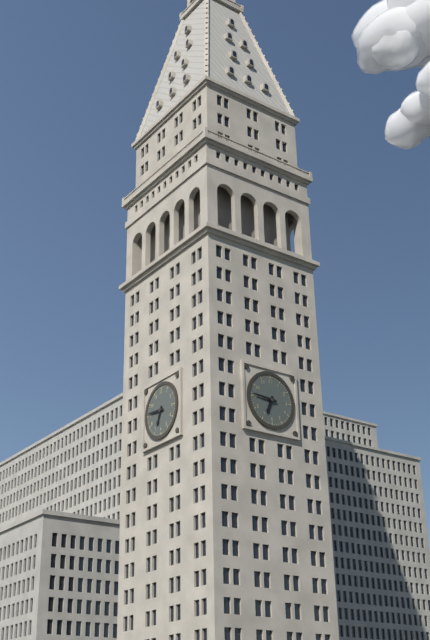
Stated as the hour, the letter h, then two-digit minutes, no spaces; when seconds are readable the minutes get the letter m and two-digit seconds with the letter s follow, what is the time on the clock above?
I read 6h46
